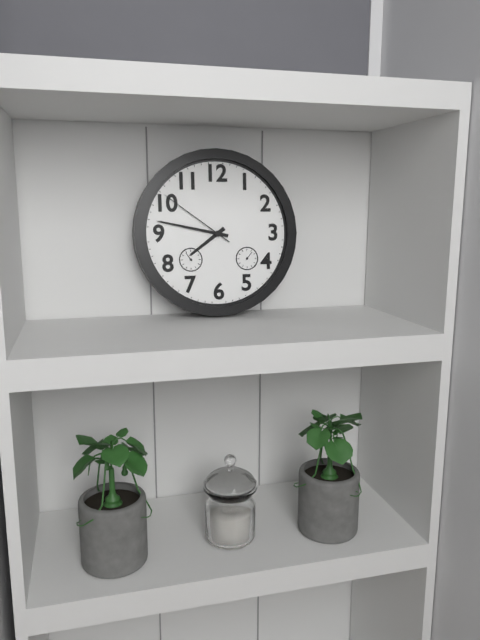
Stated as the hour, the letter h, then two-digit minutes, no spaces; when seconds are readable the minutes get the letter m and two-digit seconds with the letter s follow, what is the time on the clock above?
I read 7h47m51s
